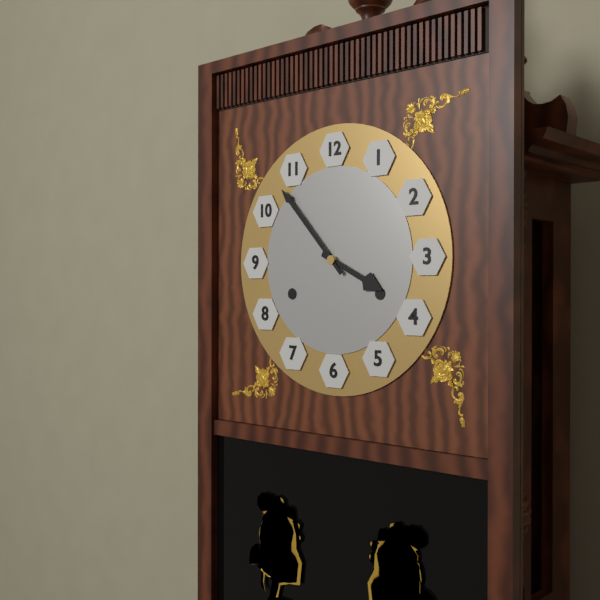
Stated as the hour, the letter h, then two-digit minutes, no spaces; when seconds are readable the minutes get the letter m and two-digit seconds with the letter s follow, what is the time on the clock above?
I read 3h53
